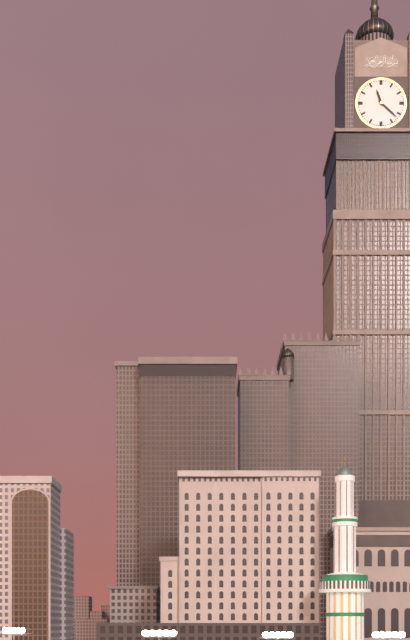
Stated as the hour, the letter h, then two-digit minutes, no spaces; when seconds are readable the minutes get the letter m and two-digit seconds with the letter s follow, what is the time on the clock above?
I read 11h22
